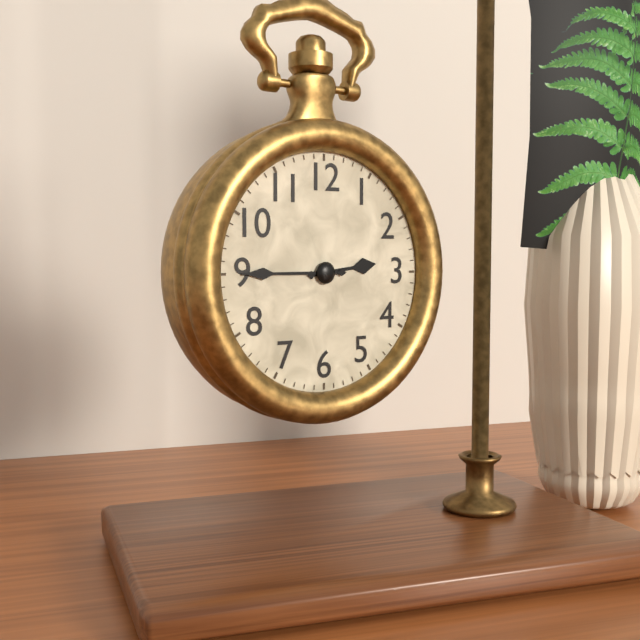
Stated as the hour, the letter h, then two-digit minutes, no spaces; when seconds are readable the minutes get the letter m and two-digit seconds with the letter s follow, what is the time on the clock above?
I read 2h45
